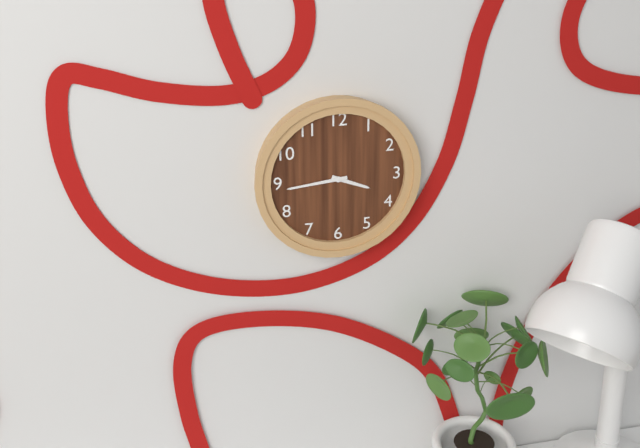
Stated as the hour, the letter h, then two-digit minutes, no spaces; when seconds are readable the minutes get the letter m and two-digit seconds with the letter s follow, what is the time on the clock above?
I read 3h44
